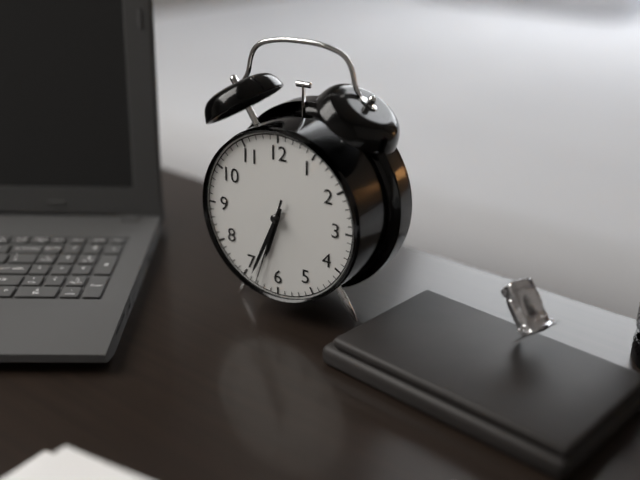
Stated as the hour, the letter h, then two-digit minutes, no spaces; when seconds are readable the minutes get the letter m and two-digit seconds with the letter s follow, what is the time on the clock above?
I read 6h34m33s
